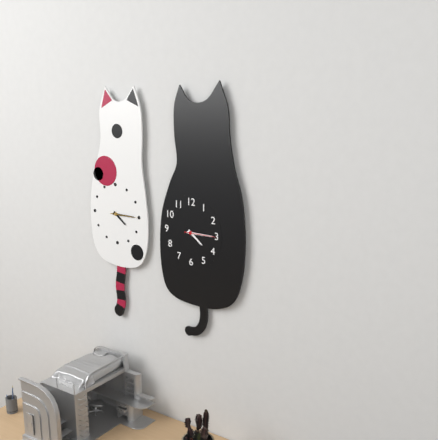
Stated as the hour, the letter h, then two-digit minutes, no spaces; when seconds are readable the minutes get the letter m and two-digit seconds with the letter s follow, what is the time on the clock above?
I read 4h15
